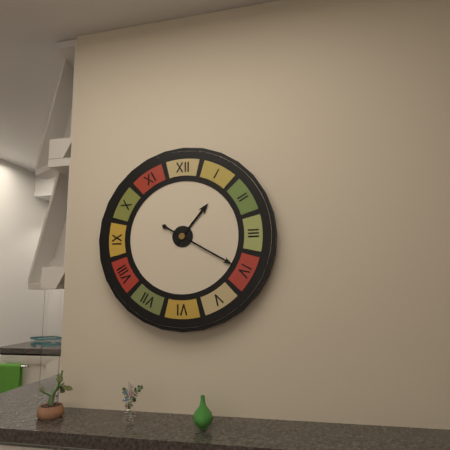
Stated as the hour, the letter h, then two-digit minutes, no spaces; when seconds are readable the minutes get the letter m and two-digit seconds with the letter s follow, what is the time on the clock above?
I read 1h20
